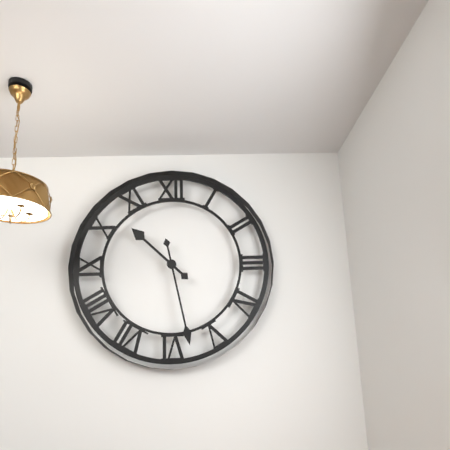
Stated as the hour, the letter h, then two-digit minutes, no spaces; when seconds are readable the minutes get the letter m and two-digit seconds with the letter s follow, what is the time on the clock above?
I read 10h28
